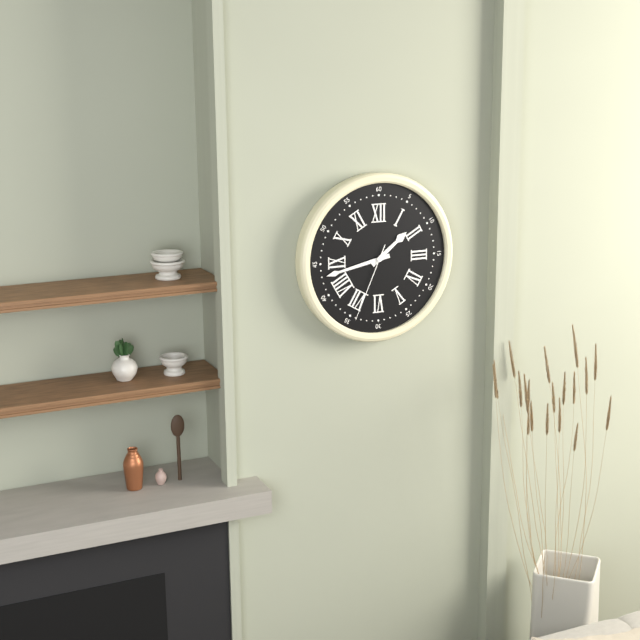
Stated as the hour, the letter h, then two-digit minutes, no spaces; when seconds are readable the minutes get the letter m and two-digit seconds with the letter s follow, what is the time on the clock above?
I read 1h43m34s
